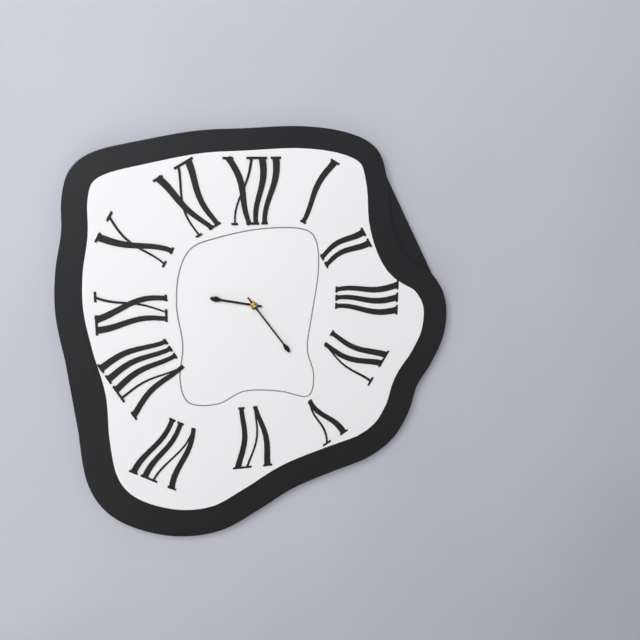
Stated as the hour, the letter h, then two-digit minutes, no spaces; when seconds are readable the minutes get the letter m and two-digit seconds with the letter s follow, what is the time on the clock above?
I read 9h24
